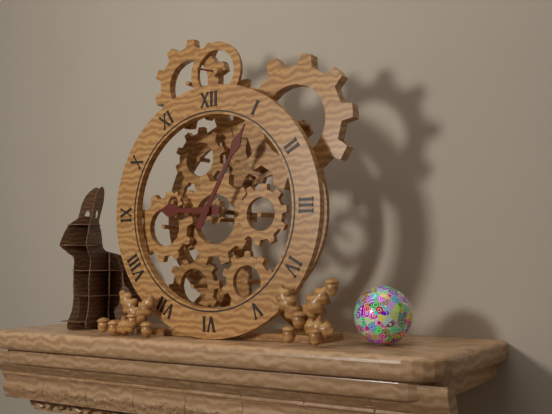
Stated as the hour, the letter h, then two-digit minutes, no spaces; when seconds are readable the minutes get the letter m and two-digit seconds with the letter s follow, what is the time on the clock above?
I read 9h05
